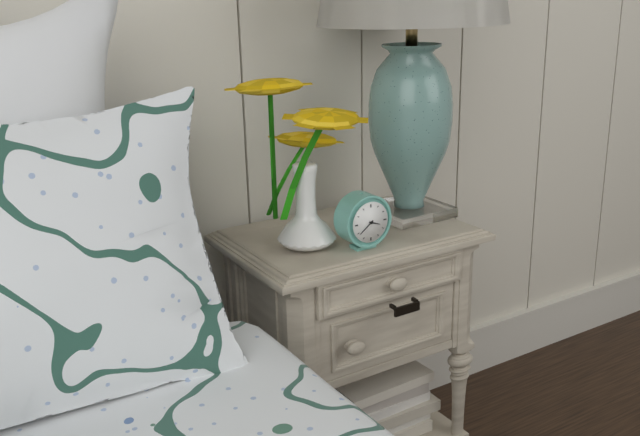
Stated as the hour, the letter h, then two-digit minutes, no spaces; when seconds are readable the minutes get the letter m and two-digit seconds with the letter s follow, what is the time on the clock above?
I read 3h39
